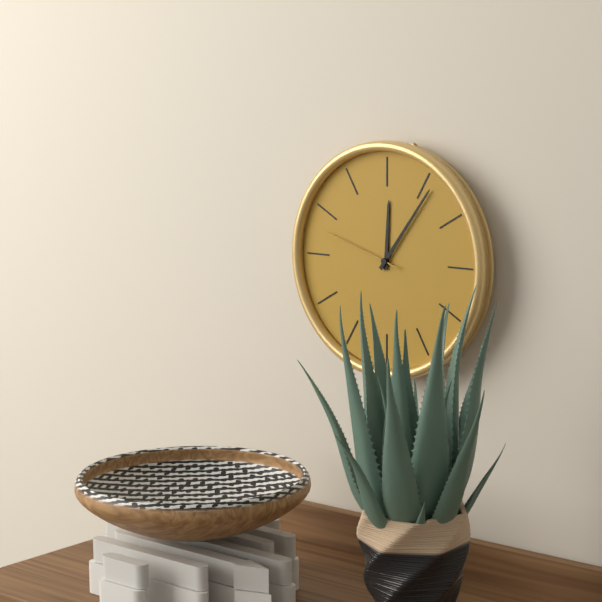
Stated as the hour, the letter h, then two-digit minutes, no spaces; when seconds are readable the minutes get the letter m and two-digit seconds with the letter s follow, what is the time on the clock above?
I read 12h06m48s
